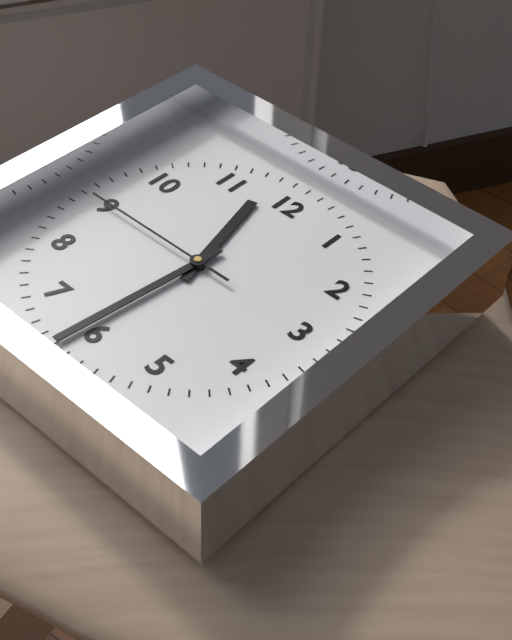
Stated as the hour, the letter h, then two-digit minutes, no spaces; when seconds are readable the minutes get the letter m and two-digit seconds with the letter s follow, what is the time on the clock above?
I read 11h31m45s
